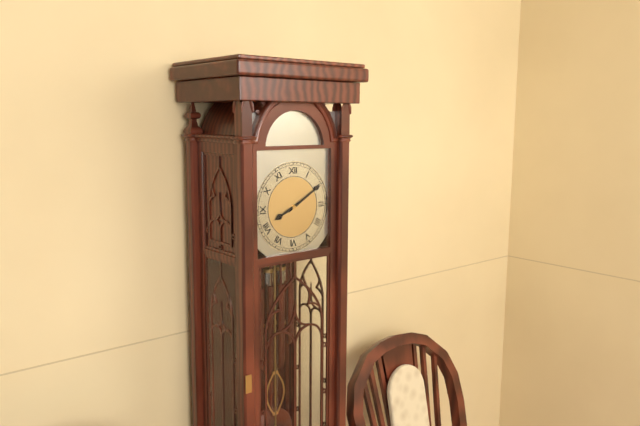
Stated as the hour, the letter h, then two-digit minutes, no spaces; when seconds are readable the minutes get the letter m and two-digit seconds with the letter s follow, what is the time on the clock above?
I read 8h10
